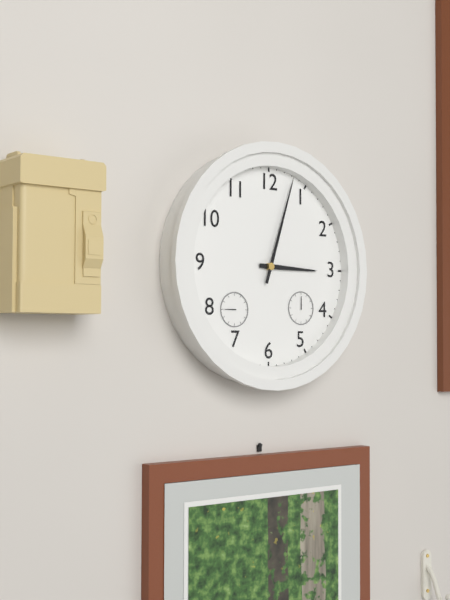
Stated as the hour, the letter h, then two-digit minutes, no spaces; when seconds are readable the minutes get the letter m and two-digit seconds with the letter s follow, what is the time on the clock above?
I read 3h03
